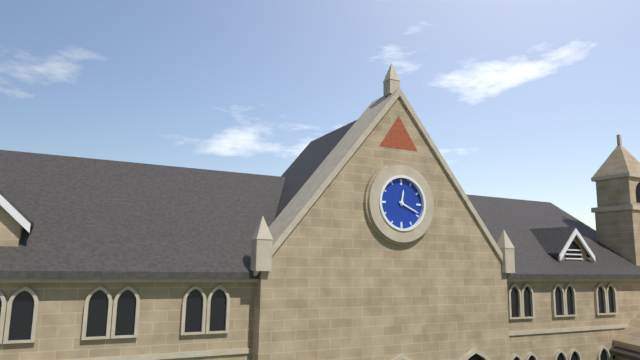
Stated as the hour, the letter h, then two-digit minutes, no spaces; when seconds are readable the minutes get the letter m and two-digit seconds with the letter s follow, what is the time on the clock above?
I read 12h19
